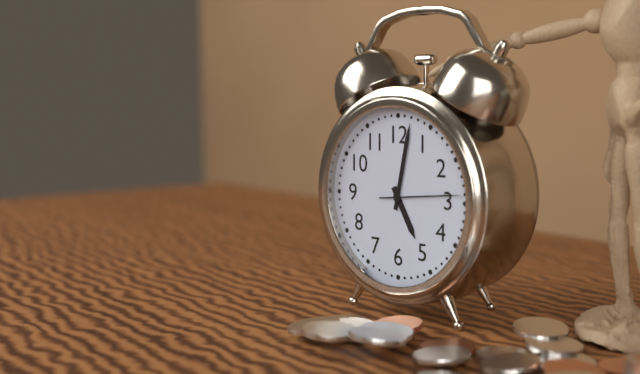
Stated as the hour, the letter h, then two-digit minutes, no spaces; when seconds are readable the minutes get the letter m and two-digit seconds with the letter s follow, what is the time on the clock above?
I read 5h02m14s
